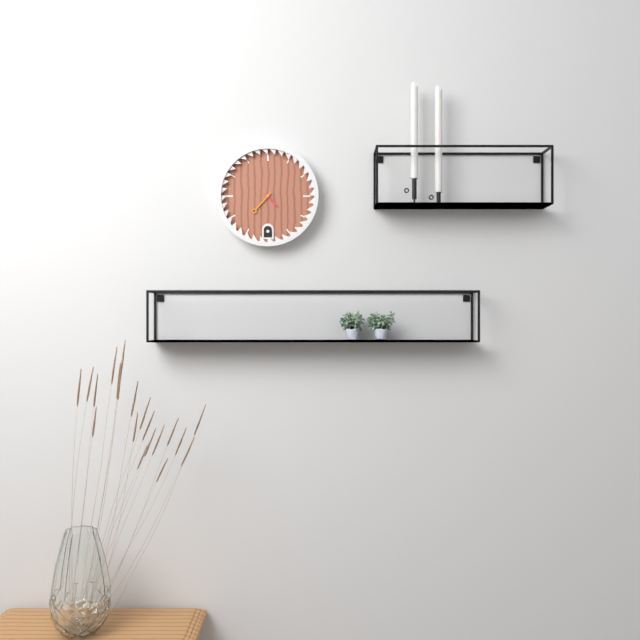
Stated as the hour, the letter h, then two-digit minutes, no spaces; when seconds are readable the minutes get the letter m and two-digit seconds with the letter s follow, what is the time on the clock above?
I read 4h37
